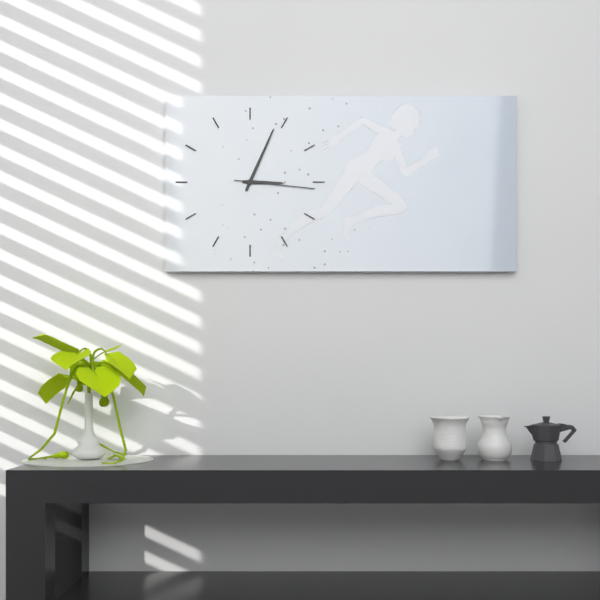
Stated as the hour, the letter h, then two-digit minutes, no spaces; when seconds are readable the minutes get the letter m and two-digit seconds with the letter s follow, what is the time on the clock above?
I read 3h04m16s
